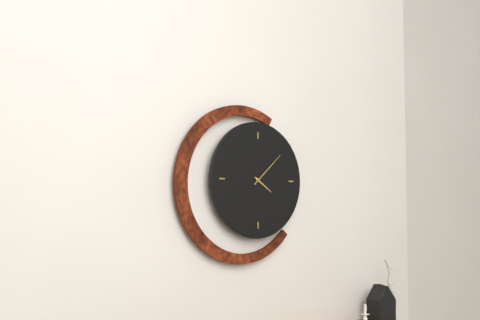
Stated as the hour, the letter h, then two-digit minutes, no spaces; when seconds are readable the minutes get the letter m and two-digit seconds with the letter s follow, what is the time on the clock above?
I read 4h08
